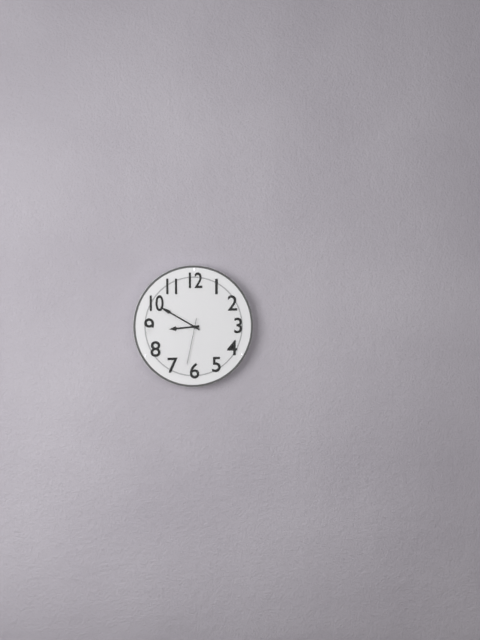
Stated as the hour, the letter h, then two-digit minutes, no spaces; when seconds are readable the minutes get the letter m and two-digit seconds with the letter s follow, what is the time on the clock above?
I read 8h50
